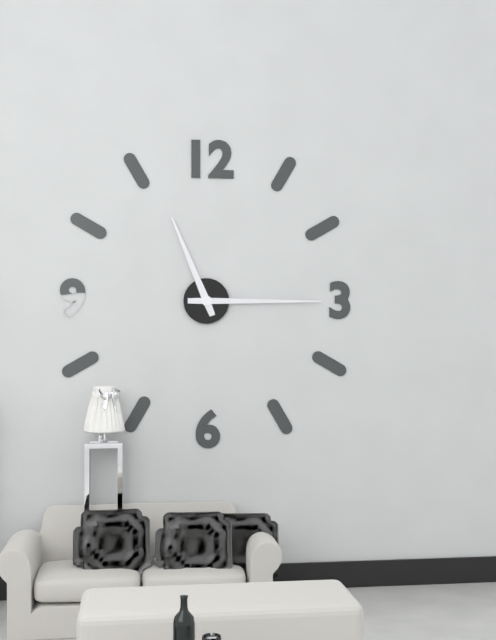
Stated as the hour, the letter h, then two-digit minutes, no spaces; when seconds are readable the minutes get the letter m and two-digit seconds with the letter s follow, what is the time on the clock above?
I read 11h15
